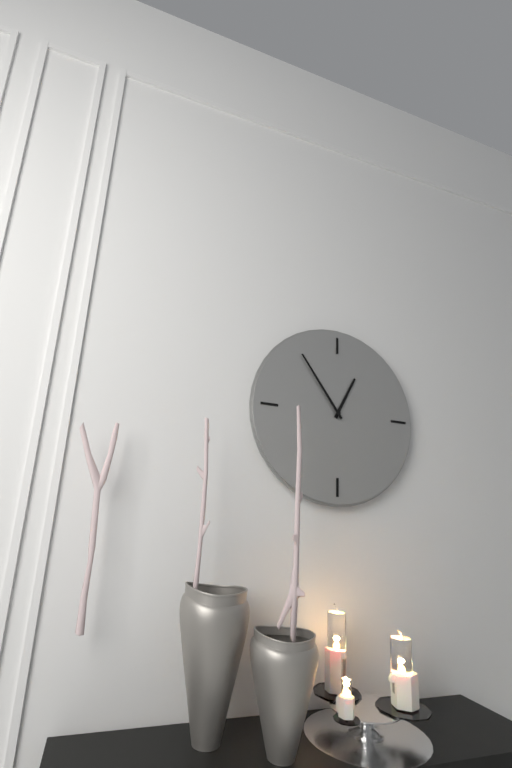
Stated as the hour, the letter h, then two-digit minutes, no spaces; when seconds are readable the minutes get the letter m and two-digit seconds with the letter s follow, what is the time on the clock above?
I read 12h54
